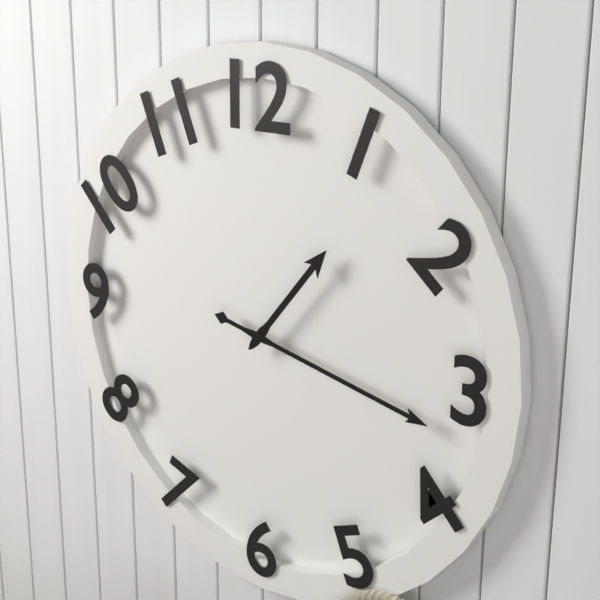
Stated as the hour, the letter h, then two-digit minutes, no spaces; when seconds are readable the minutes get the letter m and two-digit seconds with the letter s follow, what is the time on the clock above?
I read 1h17
